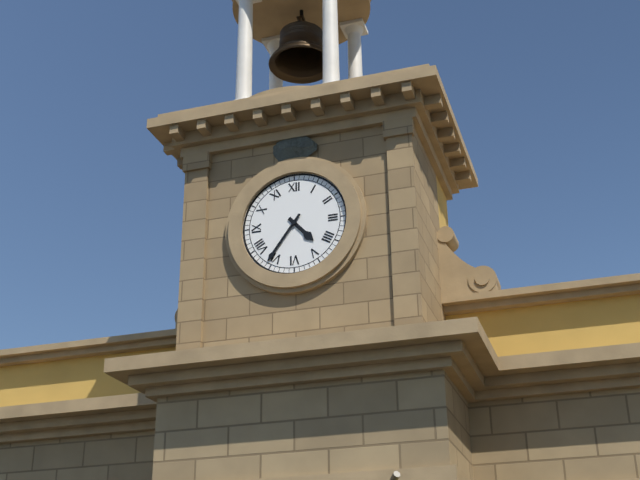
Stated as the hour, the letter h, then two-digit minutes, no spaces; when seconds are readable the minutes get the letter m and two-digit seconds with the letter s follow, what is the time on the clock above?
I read 4h36
